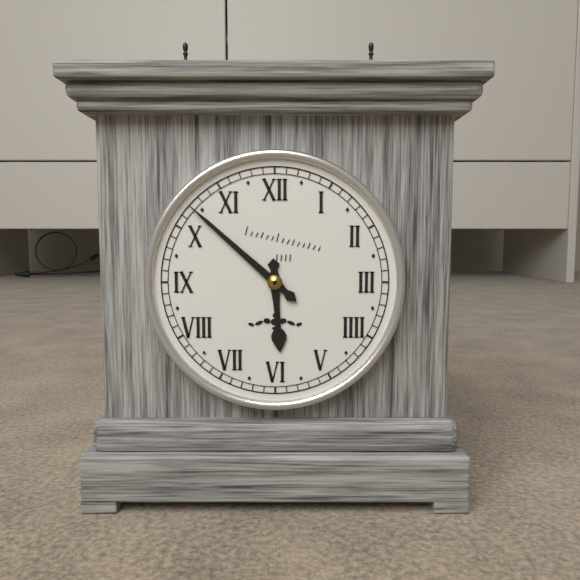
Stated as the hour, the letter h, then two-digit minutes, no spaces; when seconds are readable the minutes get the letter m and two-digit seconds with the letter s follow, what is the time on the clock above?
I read 5h52
